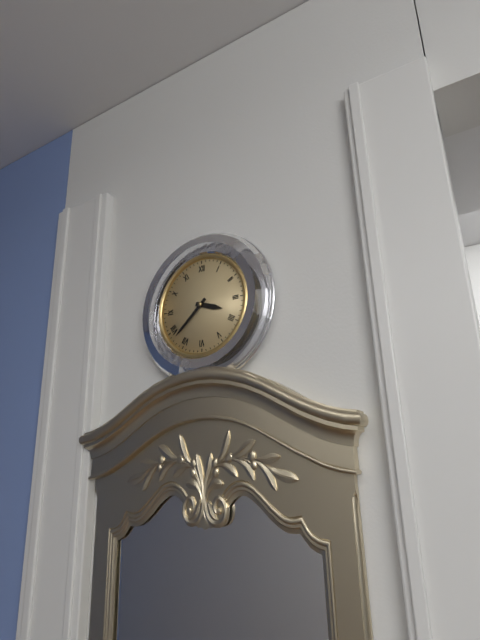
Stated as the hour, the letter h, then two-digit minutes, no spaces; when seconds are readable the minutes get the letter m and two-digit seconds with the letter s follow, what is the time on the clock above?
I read 3h38
